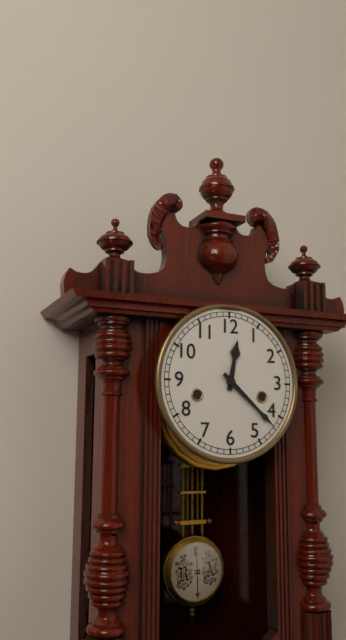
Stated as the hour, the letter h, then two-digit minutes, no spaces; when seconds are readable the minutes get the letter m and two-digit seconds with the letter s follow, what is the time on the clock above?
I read 12h22
